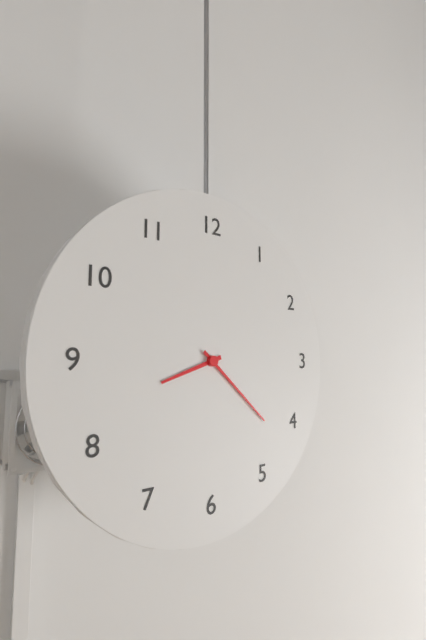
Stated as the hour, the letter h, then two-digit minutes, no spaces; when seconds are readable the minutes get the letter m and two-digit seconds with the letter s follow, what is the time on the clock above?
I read 8h22
